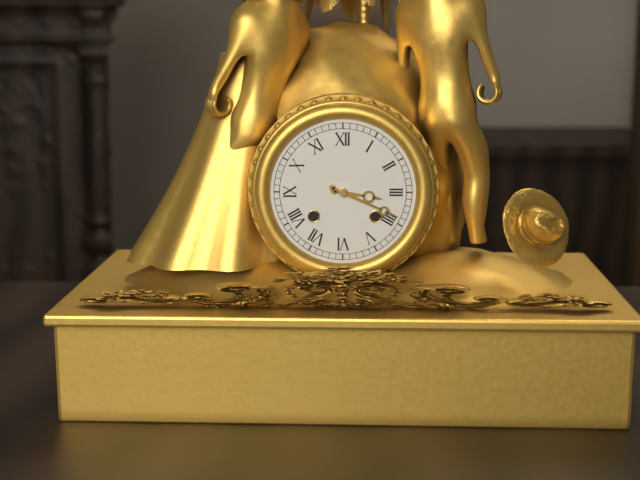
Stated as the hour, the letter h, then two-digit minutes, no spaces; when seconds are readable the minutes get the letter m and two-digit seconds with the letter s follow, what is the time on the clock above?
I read 3h19
